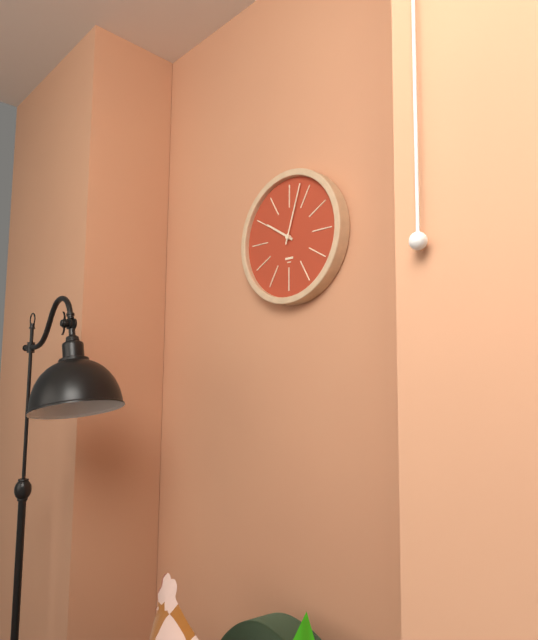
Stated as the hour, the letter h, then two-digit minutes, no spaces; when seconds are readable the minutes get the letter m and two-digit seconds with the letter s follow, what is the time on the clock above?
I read 10h03
